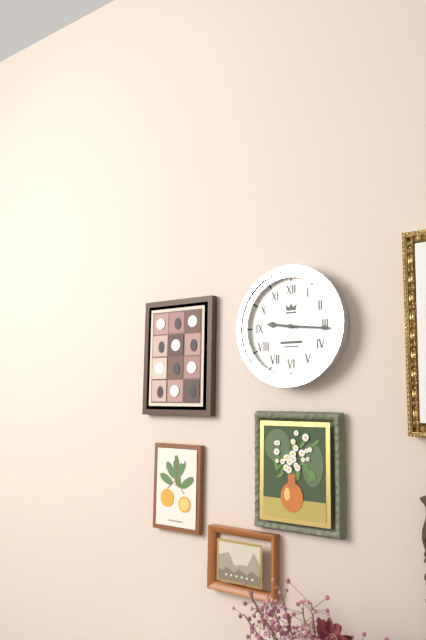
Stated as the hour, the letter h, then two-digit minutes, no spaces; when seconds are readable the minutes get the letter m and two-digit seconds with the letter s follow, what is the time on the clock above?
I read 9h16
